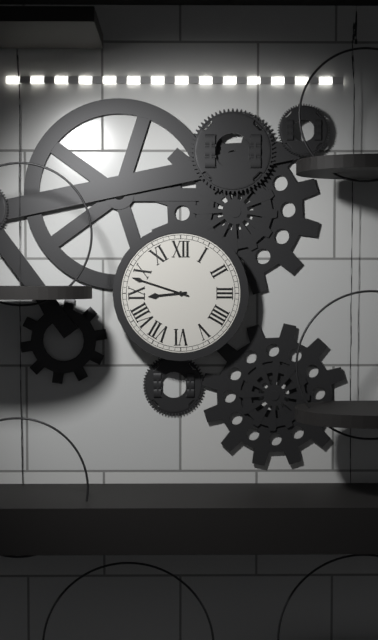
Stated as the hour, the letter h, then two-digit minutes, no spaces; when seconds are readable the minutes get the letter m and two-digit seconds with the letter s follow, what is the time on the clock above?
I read 8h48
